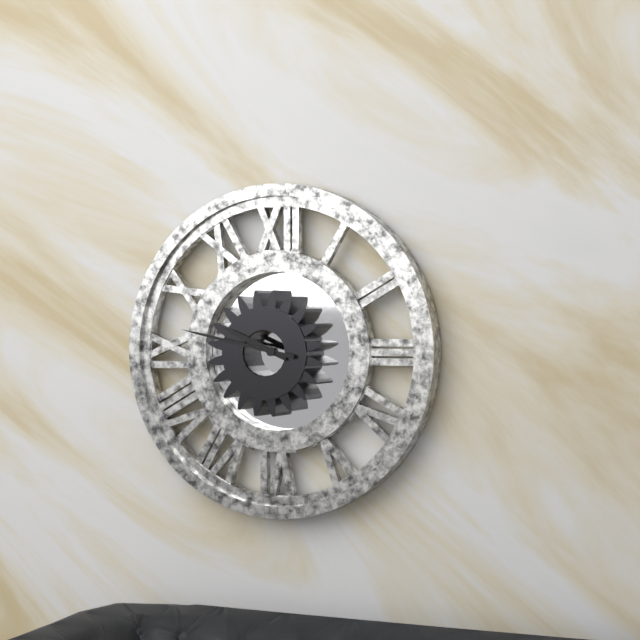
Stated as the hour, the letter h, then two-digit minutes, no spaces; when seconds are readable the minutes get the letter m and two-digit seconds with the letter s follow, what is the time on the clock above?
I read 9h47
